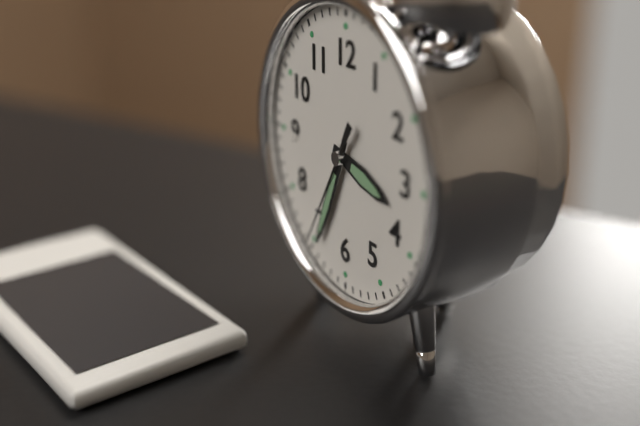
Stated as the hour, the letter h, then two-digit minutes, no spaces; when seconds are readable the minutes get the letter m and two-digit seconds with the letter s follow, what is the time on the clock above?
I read 3h34m35s
